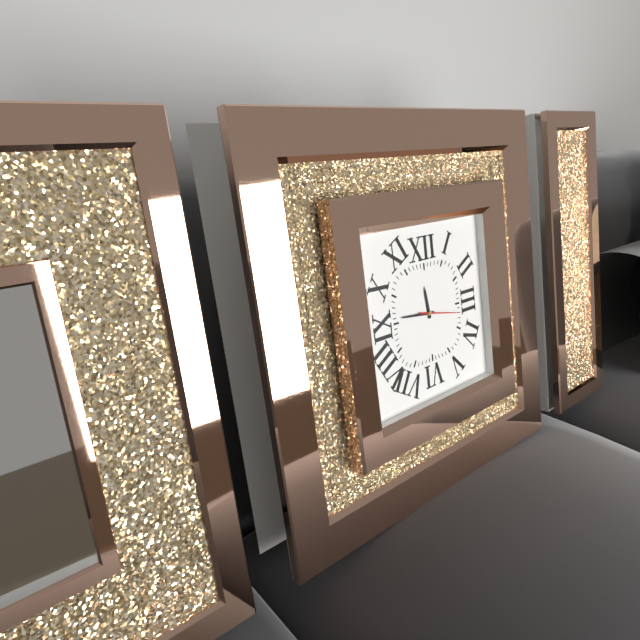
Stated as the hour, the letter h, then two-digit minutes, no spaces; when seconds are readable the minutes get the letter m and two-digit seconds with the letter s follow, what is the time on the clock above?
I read 11h46
